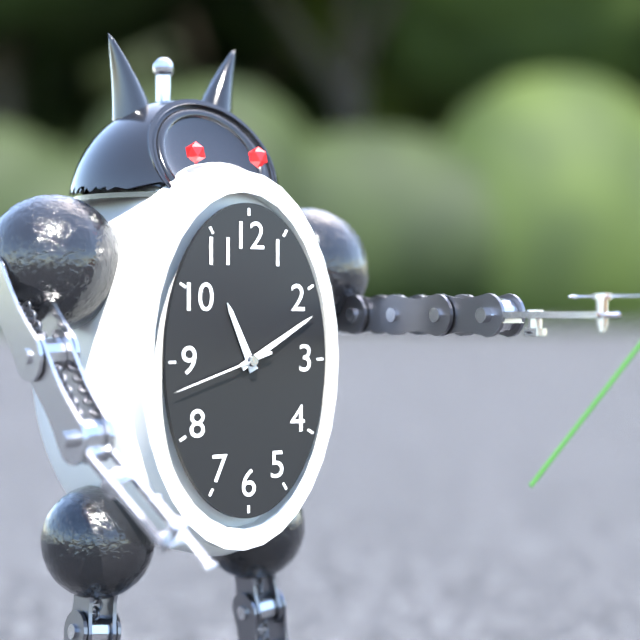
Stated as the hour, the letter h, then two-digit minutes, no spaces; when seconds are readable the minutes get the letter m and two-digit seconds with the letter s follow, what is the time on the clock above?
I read 11h10m42s
